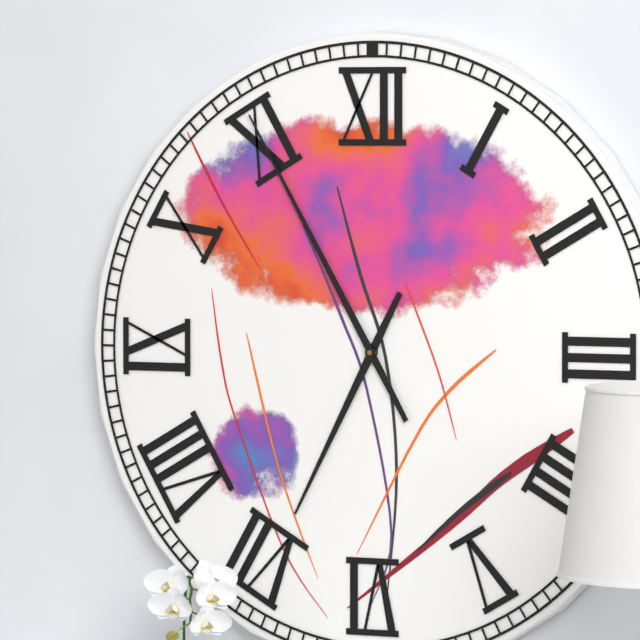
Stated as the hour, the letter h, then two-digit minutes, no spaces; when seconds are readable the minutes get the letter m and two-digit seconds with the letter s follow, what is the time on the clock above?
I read 6h55
